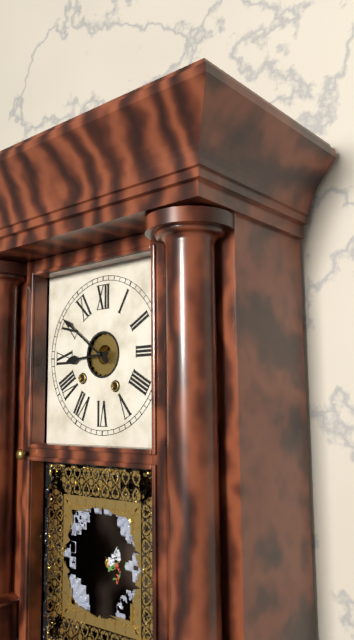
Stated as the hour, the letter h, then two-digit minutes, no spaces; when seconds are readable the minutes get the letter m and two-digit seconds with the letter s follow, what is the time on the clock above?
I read 8h51
